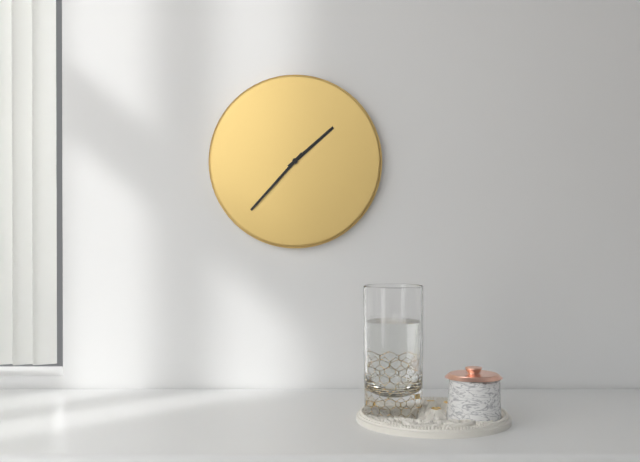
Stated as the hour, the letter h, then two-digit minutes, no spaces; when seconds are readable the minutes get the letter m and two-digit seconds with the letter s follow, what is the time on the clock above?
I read 1h37
